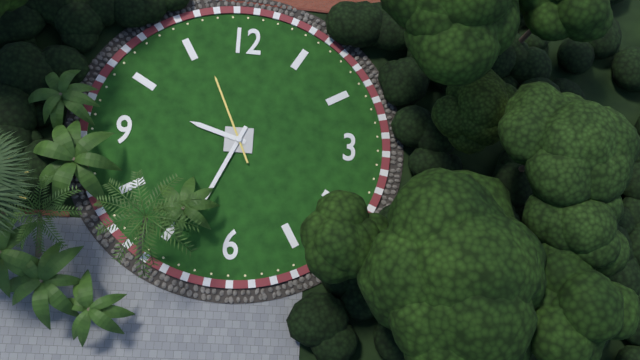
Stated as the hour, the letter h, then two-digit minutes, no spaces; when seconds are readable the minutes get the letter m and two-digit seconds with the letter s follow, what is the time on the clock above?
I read 9h34m56s
